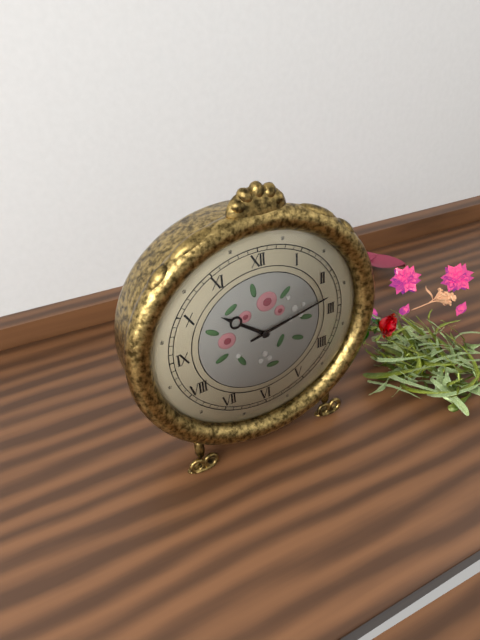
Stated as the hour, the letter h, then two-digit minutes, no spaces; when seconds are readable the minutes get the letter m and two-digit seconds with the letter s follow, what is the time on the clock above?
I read 10h13
